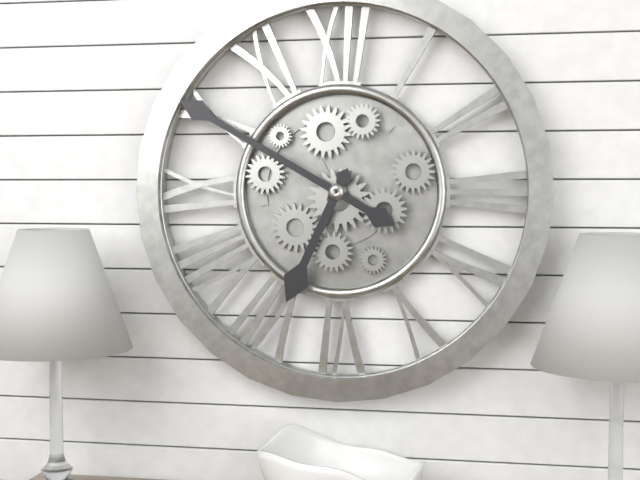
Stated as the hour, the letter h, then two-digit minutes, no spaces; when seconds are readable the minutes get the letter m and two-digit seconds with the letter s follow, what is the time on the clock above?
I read 6h50
